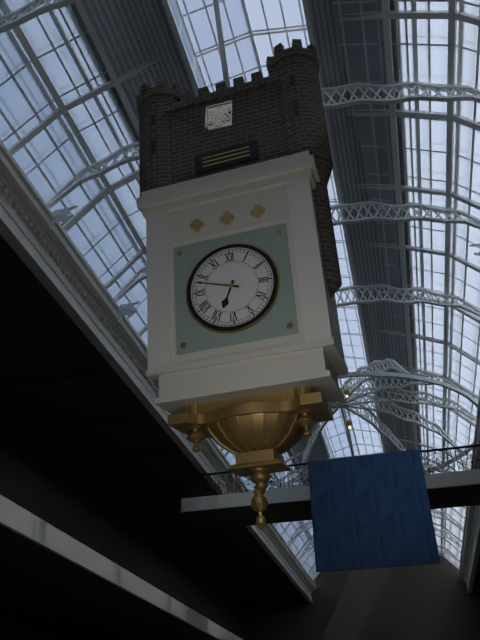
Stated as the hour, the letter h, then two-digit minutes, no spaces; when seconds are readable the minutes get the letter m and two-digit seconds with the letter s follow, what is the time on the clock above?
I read 6h48
